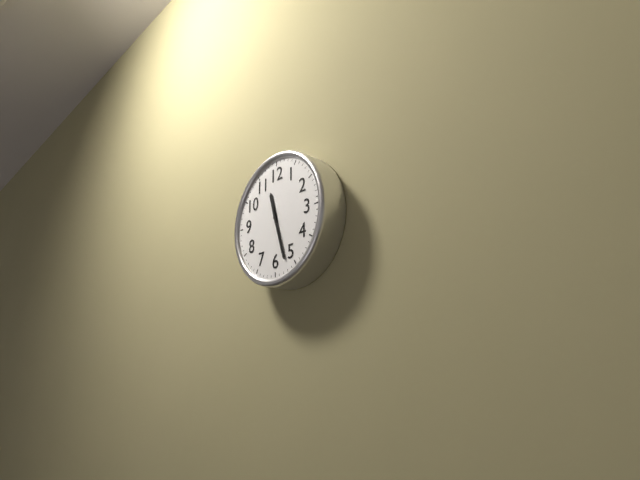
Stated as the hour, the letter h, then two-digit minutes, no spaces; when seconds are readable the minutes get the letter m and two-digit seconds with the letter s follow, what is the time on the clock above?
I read 11h27
